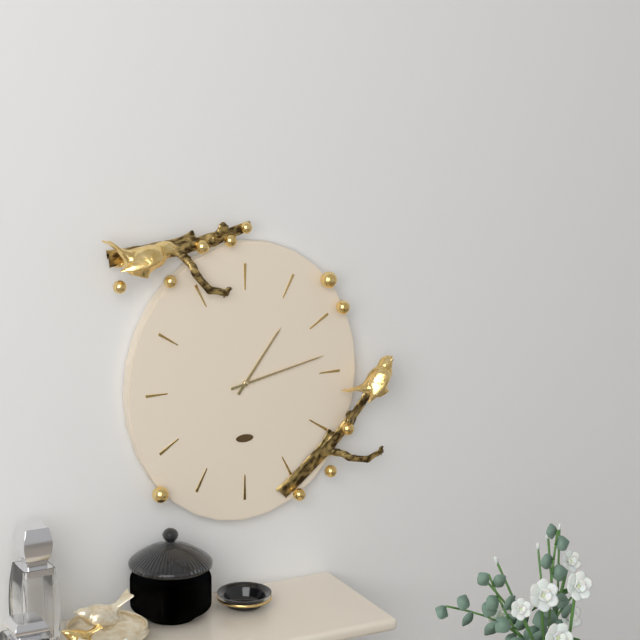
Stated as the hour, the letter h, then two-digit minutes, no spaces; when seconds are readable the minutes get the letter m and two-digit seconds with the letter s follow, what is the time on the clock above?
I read 1h13
